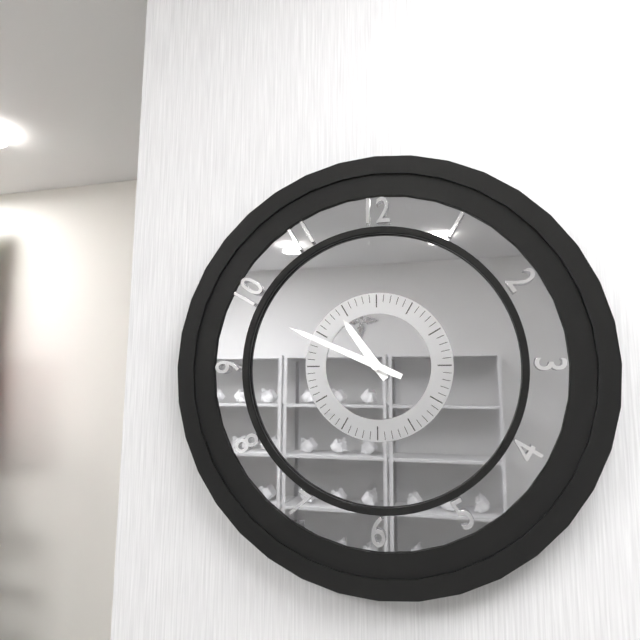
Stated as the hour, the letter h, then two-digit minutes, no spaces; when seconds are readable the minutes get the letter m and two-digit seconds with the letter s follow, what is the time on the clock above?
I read 10h49
